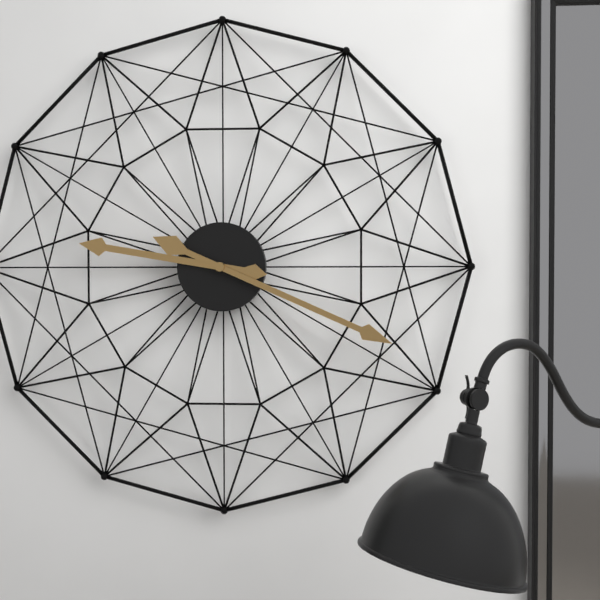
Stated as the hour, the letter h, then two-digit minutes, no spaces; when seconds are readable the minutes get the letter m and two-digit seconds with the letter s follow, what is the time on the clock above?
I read 9h19
